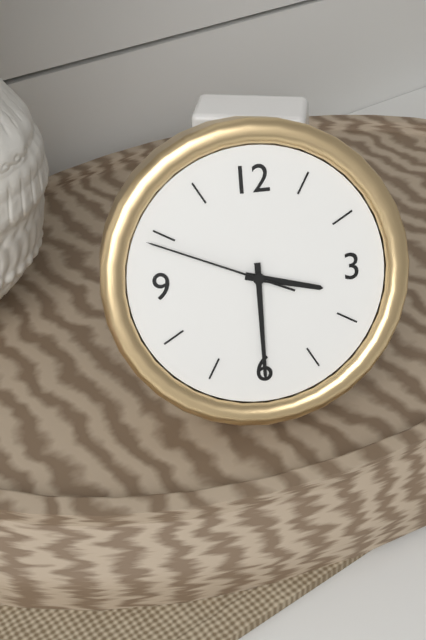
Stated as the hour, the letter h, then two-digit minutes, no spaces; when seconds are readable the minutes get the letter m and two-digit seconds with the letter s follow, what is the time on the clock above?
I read 3h30m49s
